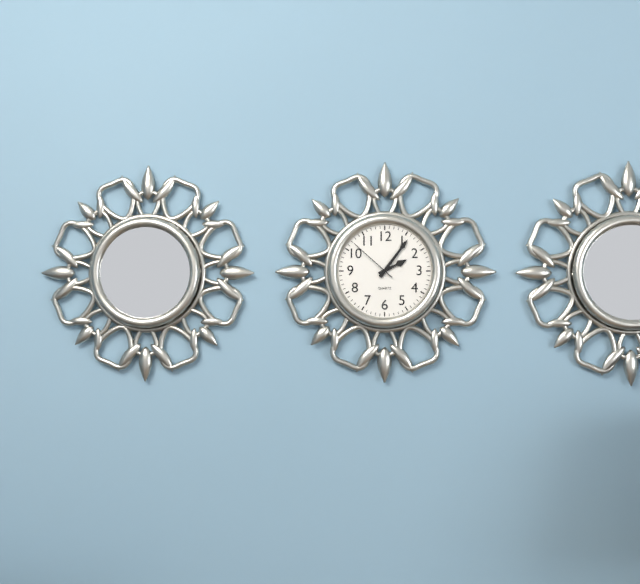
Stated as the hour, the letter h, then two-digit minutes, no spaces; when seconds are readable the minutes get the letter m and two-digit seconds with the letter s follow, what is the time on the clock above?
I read 2h06m52s
